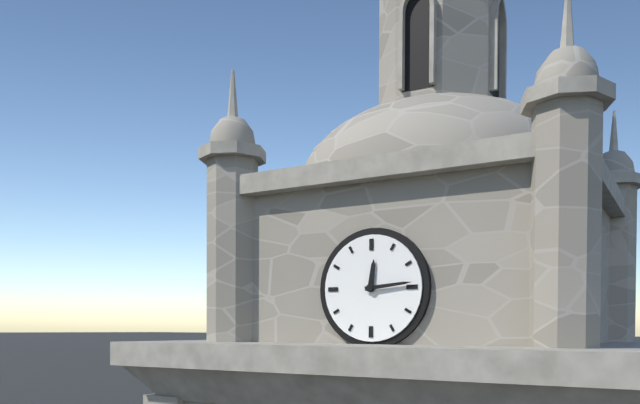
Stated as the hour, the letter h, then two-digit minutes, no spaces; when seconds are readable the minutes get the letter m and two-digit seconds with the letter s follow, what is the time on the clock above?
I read 12h14
